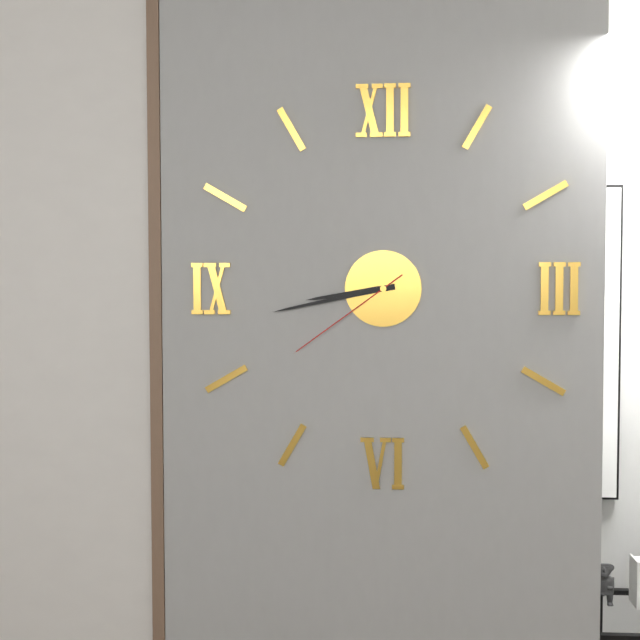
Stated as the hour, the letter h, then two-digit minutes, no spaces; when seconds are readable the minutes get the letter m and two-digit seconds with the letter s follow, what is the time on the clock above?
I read 8h43m39s
